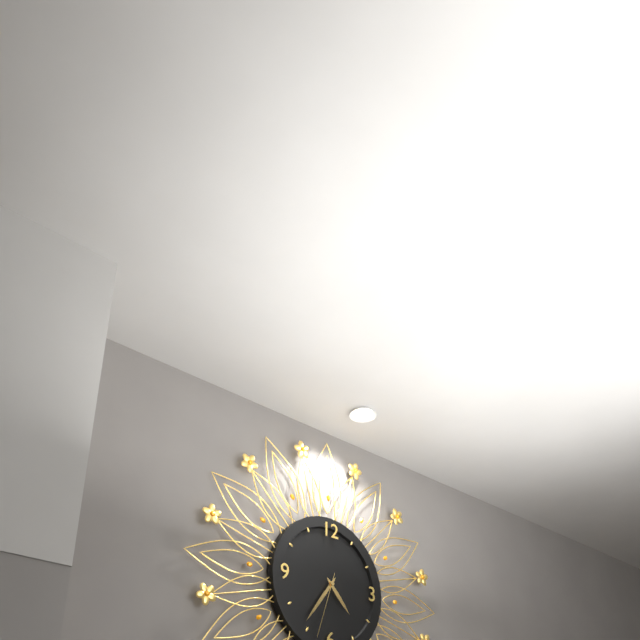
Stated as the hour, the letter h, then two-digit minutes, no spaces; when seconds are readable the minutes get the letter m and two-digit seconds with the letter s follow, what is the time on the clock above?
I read 4h36m33s
